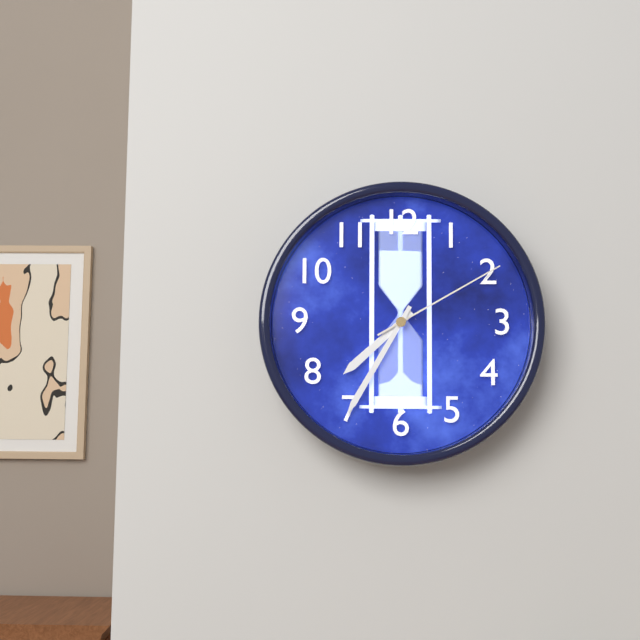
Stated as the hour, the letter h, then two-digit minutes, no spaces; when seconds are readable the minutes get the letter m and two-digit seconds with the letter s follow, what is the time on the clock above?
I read 7h35m10s
